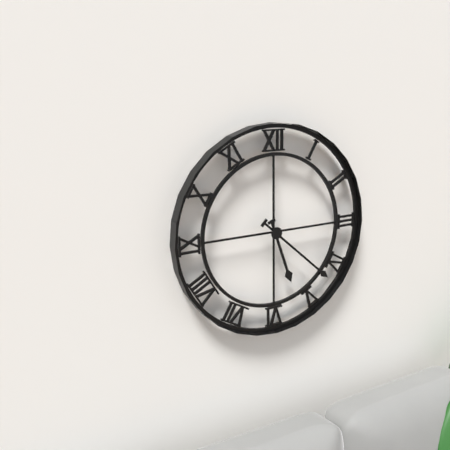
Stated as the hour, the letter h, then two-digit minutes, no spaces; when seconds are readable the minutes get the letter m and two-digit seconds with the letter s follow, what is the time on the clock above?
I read 5h22
